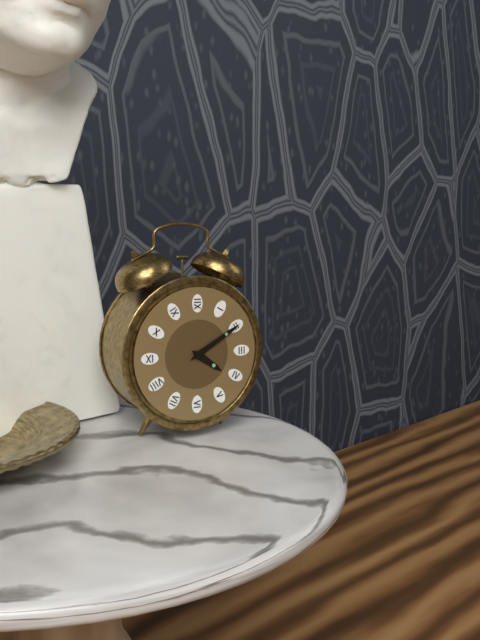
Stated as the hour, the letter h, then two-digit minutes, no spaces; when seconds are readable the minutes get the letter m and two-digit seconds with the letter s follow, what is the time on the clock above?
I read 4h10
